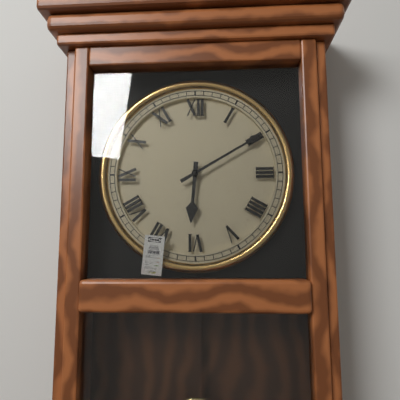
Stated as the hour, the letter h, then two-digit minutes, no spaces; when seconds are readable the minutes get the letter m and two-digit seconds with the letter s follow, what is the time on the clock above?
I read 6h10
